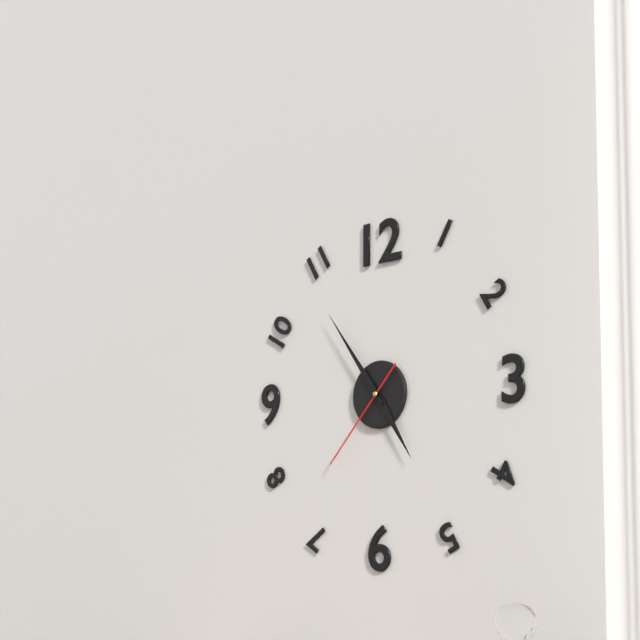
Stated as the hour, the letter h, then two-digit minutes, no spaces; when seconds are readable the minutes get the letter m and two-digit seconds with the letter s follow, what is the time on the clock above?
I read 4h54m37s
